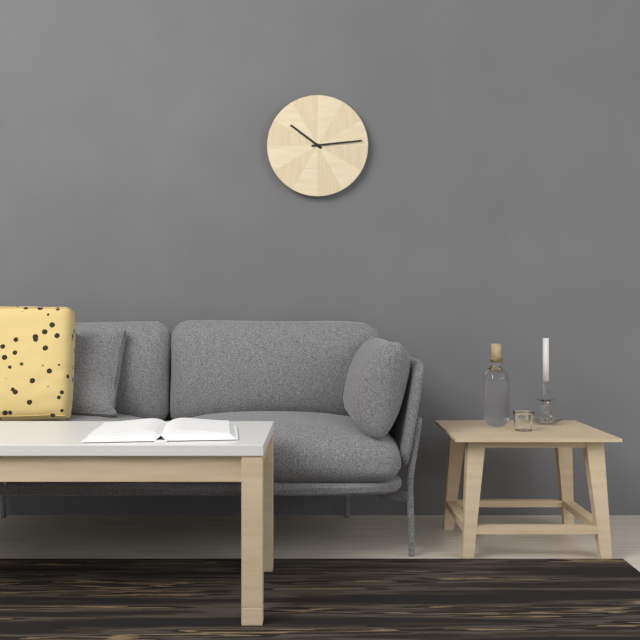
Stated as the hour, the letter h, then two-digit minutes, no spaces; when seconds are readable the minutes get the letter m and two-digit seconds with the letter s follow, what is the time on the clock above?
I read 10h14
